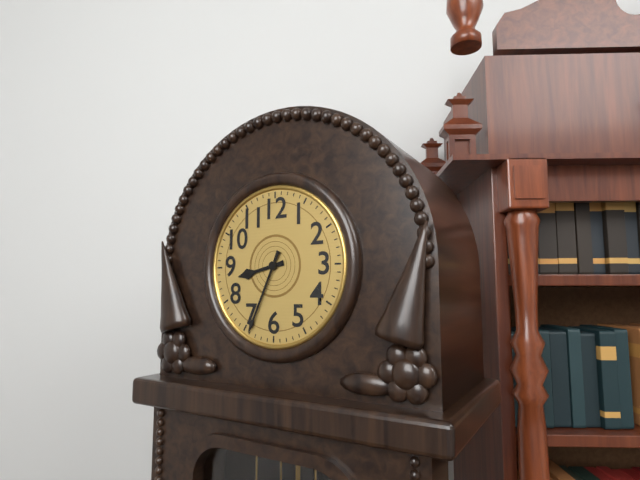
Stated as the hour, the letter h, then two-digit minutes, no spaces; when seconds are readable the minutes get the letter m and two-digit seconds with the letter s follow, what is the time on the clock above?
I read 8h34
